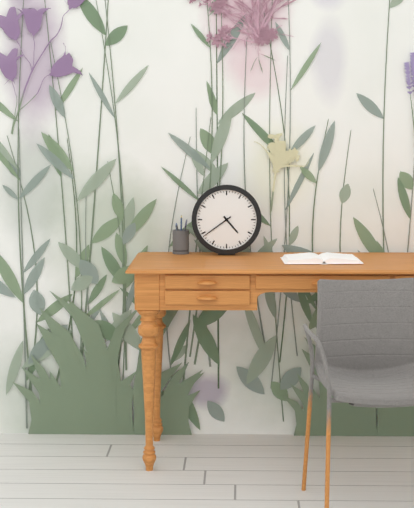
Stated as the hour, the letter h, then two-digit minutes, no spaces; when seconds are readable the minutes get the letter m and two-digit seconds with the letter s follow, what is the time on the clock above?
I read 4h39
